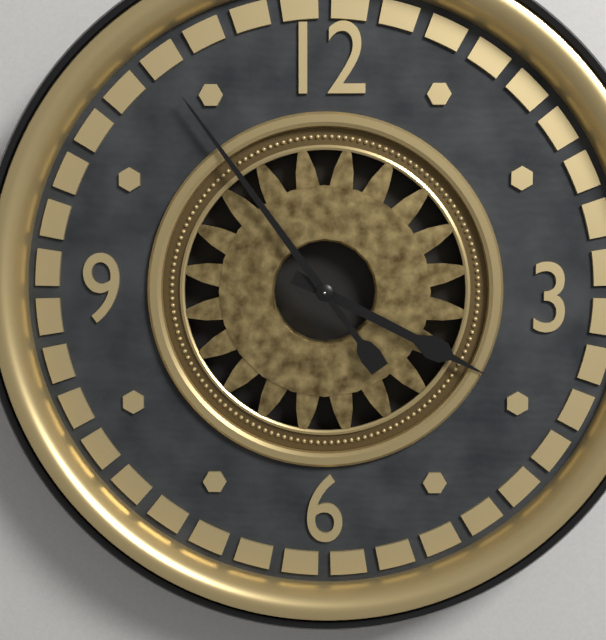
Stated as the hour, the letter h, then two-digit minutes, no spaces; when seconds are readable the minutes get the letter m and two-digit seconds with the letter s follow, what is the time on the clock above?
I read 3h54
